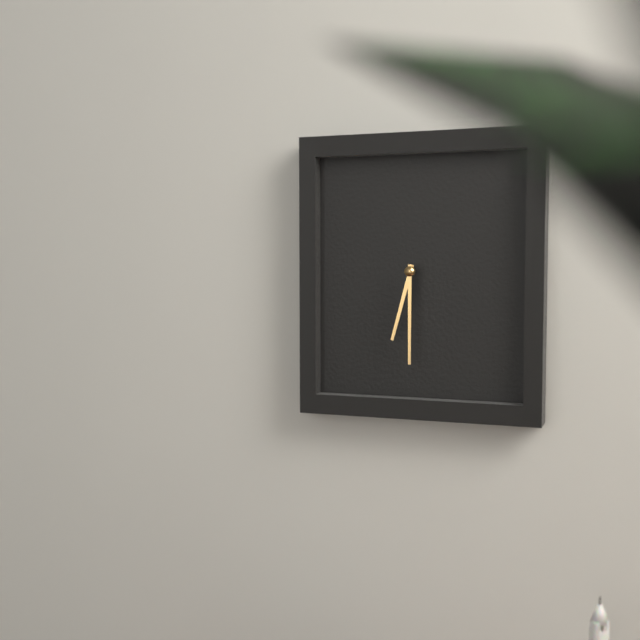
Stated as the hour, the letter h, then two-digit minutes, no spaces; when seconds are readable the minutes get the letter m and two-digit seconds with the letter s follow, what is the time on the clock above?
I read 6h30
